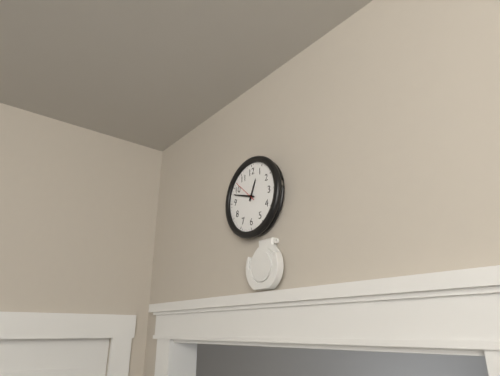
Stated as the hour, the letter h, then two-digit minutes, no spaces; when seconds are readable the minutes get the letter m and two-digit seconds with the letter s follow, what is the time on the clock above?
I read 12h48
